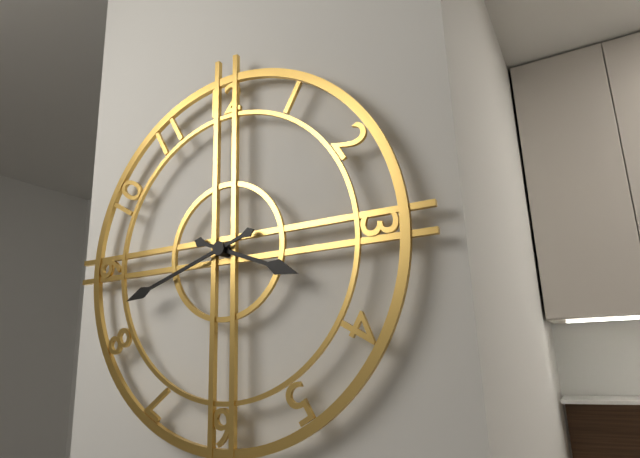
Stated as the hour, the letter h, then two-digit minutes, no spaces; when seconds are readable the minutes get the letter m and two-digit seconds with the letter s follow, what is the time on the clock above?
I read 3h42
